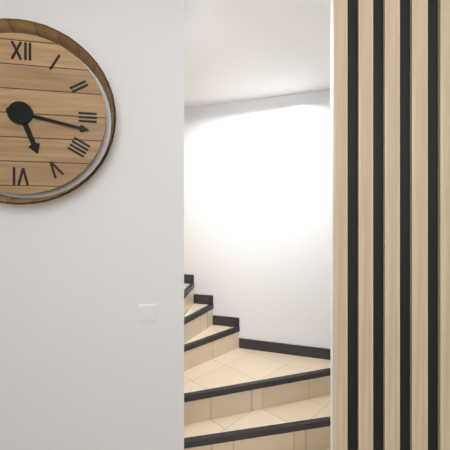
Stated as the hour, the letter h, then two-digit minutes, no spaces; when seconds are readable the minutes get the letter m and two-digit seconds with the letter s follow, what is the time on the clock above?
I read 5h17
